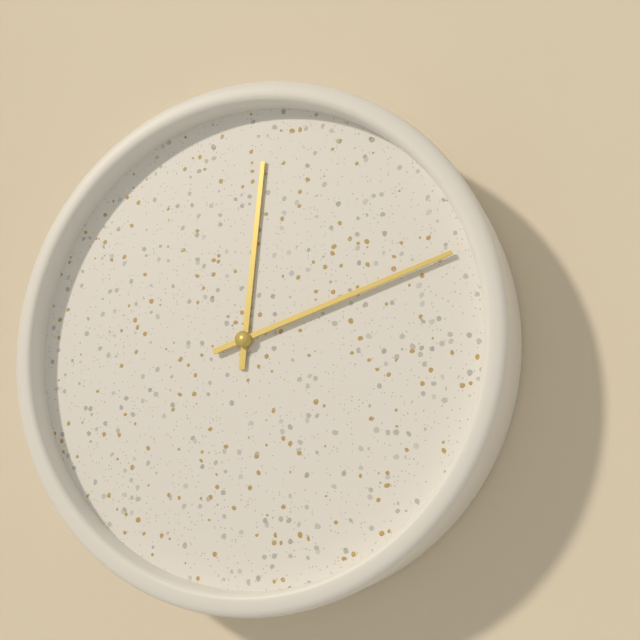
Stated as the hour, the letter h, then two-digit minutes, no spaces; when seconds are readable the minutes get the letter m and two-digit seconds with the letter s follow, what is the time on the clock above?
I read 12h12
